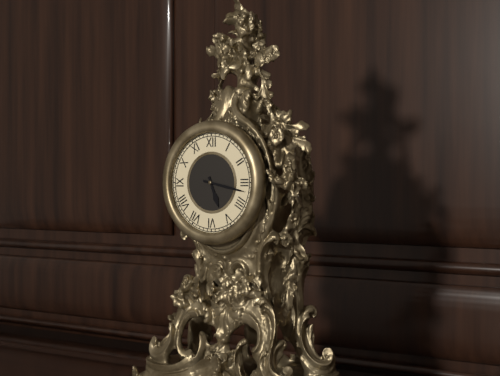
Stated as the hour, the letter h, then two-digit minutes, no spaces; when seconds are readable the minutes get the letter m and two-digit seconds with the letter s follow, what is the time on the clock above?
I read 5h17
